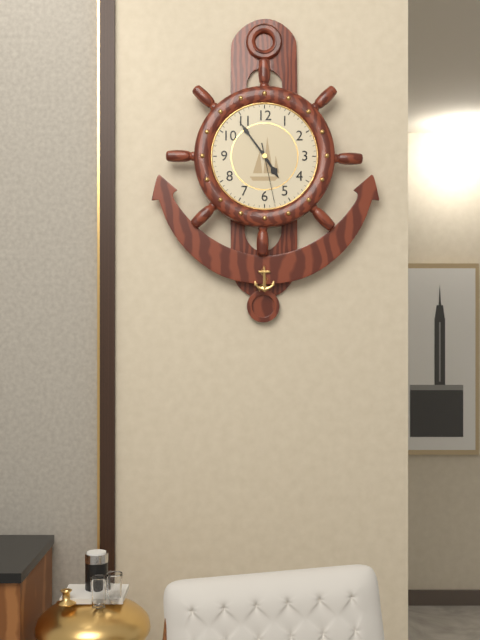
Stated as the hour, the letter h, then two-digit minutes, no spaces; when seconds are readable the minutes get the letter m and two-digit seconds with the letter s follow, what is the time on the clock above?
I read 4h54m28s
